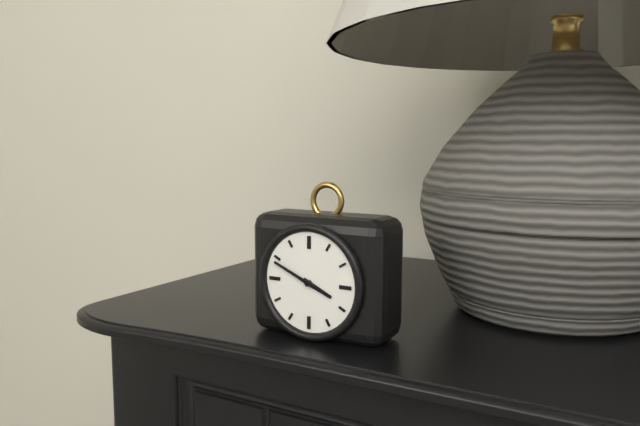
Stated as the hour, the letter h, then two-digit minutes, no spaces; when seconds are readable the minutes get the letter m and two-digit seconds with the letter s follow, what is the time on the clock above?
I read 3h49
